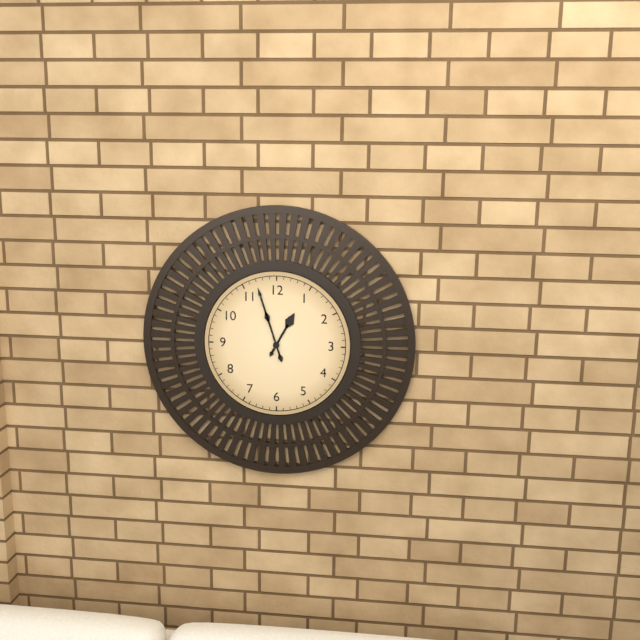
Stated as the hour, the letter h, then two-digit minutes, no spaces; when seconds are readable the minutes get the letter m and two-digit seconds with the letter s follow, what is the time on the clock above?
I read 12h57
